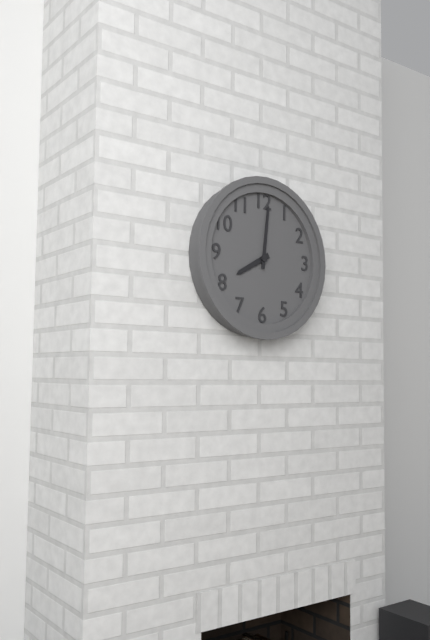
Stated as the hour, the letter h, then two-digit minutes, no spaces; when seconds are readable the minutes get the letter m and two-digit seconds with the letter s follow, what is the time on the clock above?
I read 8h01
